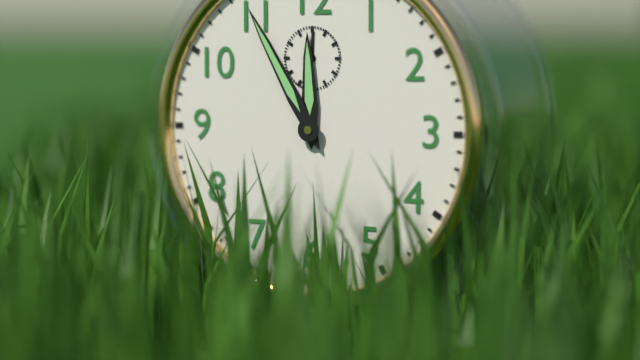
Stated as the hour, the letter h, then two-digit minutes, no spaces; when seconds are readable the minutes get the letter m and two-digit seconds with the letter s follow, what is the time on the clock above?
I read 11h55
